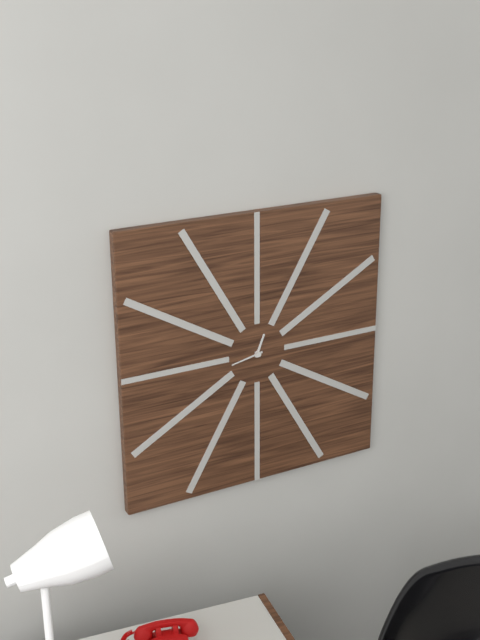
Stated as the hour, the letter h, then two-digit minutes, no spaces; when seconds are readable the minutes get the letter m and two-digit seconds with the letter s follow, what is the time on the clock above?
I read 12h43
